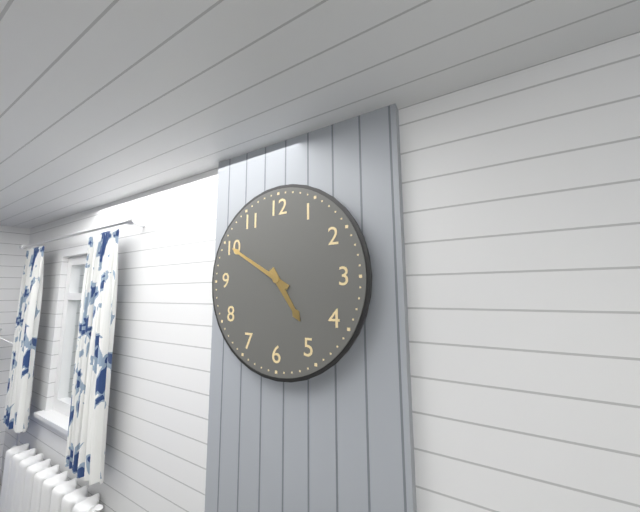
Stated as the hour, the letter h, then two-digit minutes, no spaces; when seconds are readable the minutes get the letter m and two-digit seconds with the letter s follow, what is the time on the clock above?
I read 4h50
